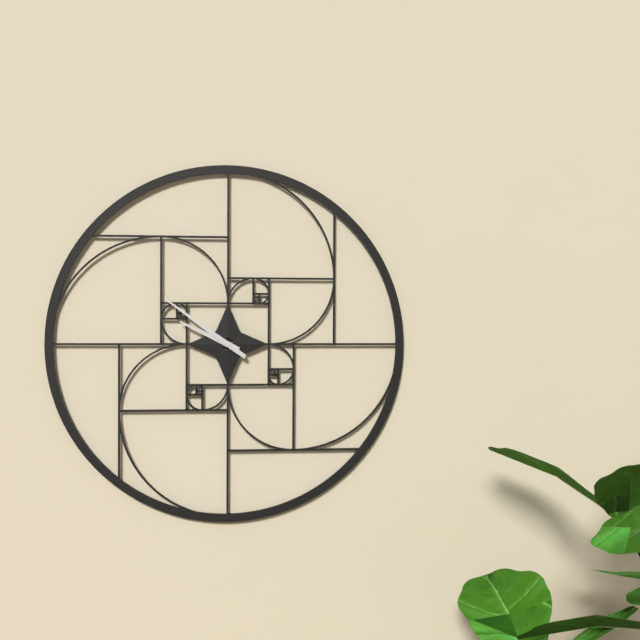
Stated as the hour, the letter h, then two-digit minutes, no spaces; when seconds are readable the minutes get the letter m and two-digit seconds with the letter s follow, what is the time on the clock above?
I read 9h51
